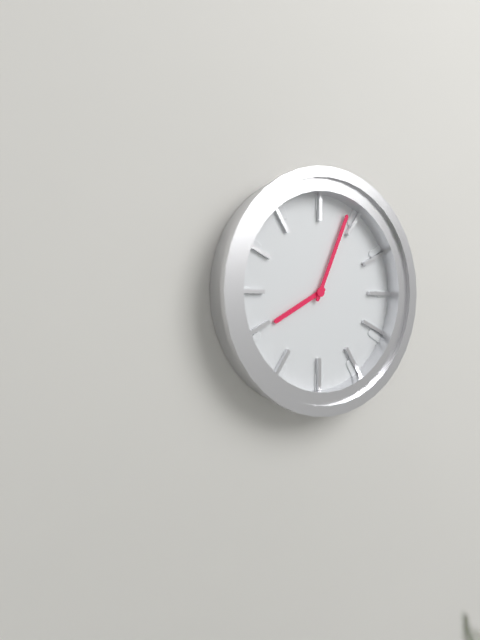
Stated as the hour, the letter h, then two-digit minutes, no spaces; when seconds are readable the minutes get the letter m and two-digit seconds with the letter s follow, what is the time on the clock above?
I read 8h04
